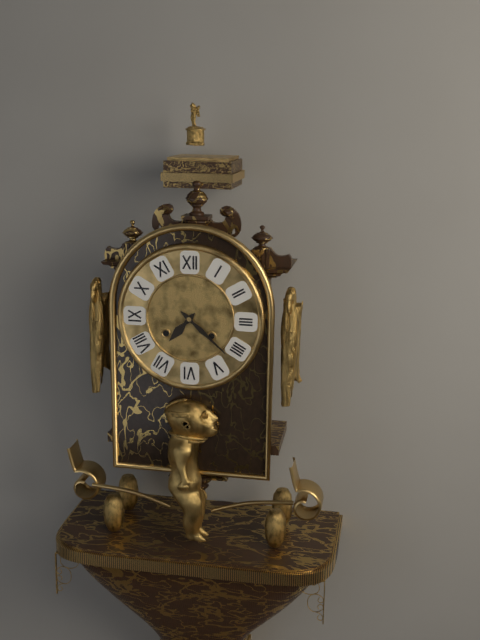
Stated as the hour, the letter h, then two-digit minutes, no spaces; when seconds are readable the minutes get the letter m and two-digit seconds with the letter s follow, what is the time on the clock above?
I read 7h22
